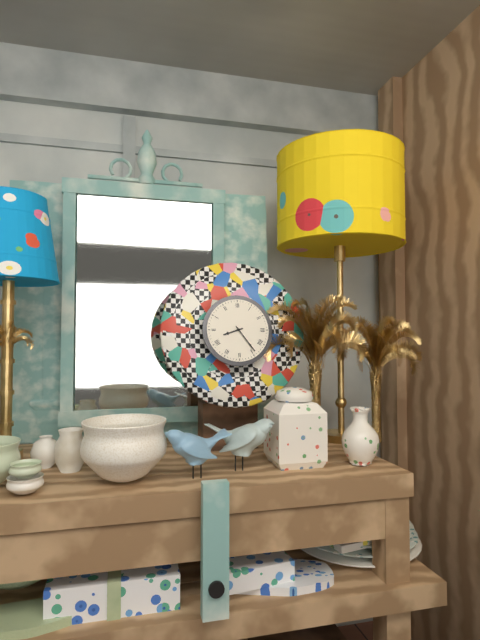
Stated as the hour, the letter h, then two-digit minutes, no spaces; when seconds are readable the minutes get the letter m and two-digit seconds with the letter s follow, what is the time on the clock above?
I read 8h24
